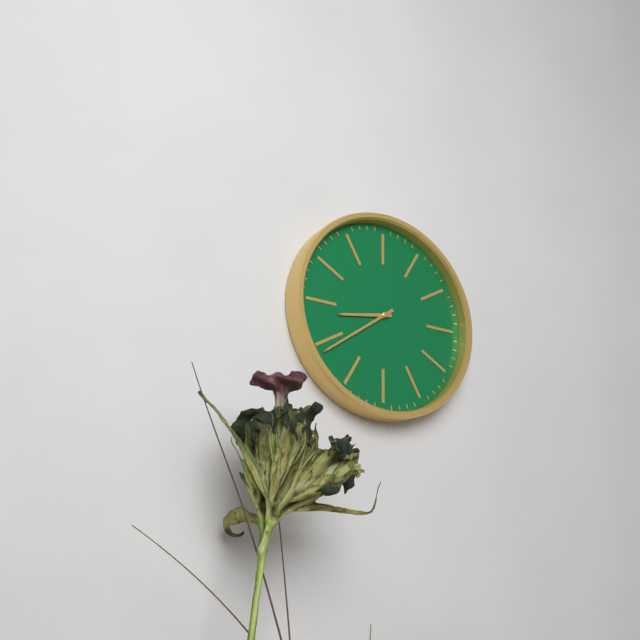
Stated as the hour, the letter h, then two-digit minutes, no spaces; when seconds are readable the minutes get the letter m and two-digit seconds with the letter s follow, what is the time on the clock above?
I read 8h39
